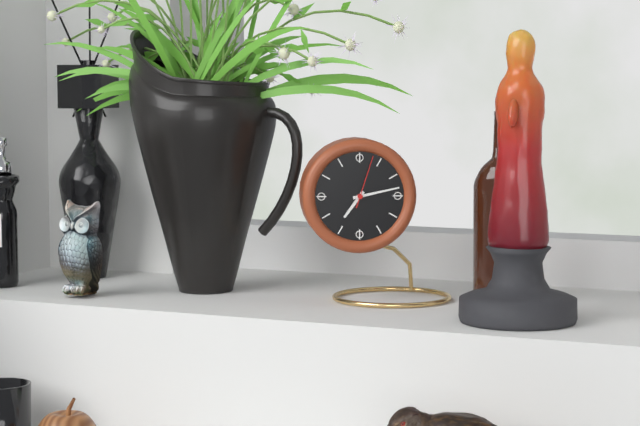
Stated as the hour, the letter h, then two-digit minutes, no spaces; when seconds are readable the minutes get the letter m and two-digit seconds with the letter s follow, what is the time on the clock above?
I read 7h13m03s
